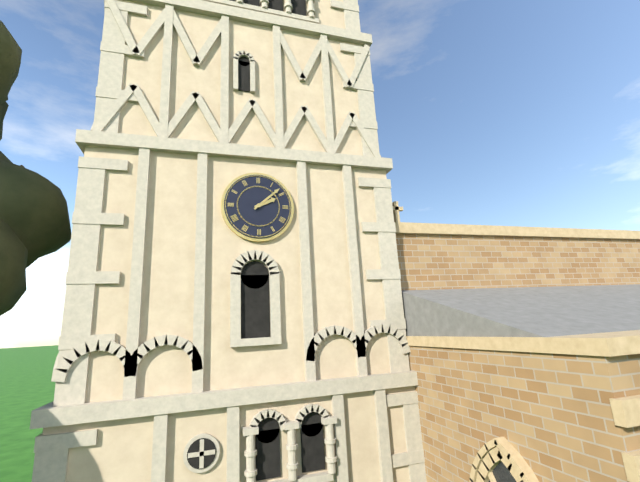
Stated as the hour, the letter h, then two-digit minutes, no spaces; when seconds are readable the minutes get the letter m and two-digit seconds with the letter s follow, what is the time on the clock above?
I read 2h08
